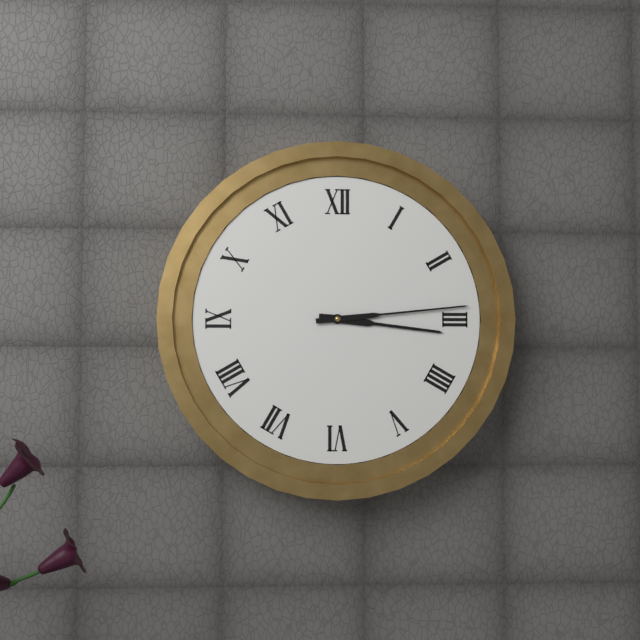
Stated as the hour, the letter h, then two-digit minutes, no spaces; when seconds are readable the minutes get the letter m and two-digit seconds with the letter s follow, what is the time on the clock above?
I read 3h14
